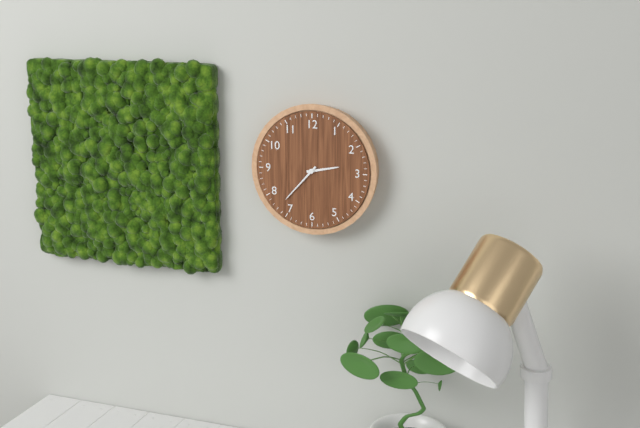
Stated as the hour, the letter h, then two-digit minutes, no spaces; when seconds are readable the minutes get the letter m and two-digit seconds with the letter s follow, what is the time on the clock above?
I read 2h37
